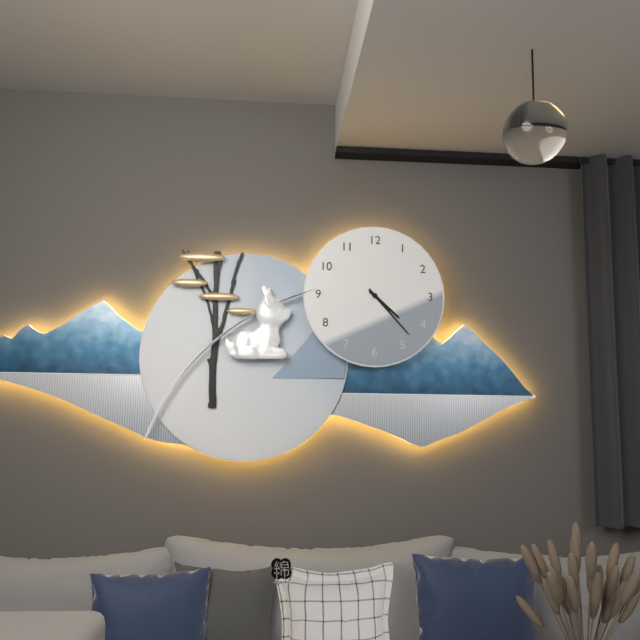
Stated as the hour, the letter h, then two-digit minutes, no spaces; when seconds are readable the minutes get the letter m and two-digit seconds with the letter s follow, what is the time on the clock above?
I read 4h23
